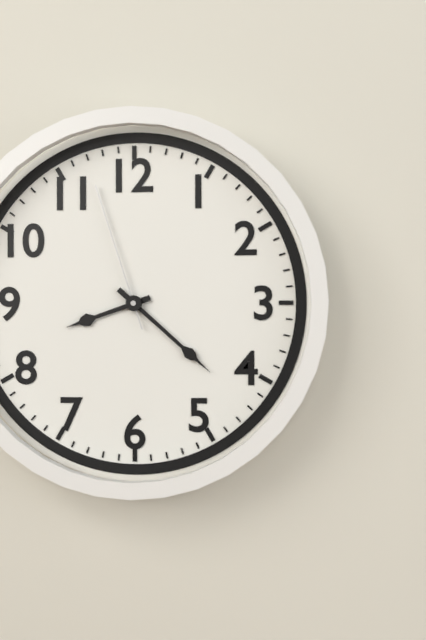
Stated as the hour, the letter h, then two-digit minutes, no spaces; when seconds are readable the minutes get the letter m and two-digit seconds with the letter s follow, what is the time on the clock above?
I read 8h22m57s
